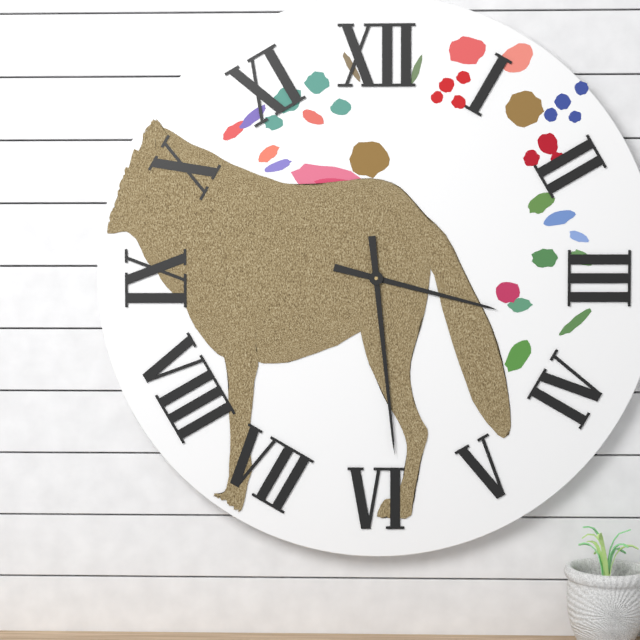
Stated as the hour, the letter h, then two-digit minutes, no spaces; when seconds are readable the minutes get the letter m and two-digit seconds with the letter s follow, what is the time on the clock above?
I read 3h29
